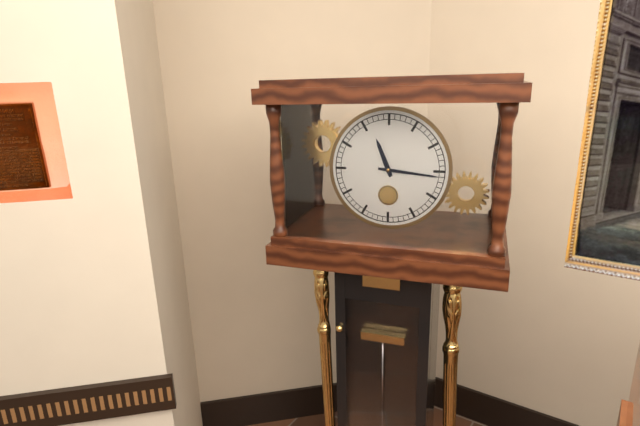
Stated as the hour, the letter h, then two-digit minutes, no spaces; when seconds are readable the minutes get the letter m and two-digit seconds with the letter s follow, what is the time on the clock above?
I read 11h16
